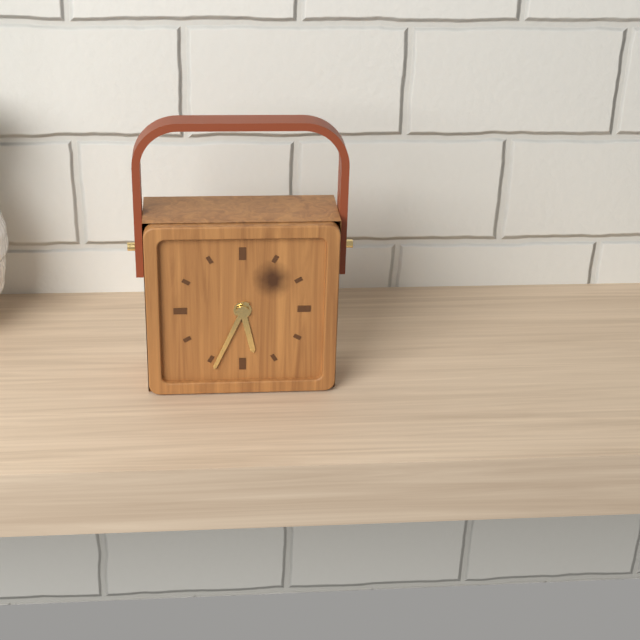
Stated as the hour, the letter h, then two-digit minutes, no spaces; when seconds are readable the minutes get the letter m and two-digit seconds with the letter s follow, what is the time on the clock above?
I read 5h34
